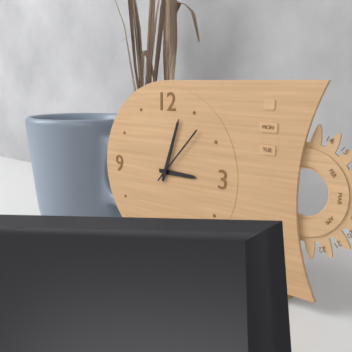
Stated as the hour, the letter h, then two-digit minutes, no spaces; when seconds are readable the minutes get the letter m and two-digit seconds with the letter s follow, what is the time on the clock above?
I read 3h03m07s
